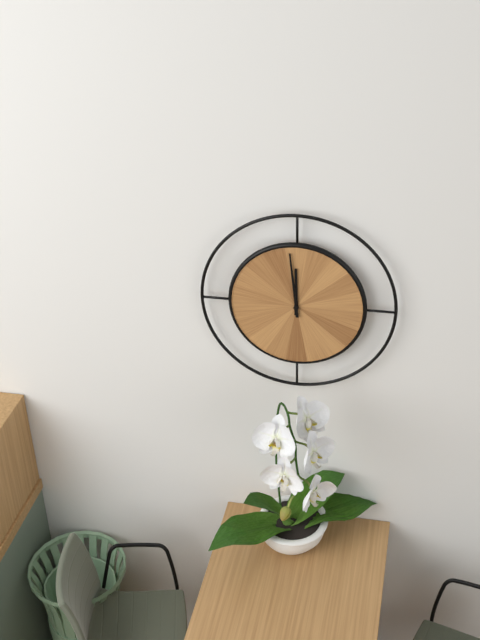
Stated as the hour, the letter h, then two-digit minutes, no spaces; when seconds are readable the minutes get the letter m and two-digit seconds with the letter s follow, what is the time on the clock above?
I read 11h59
